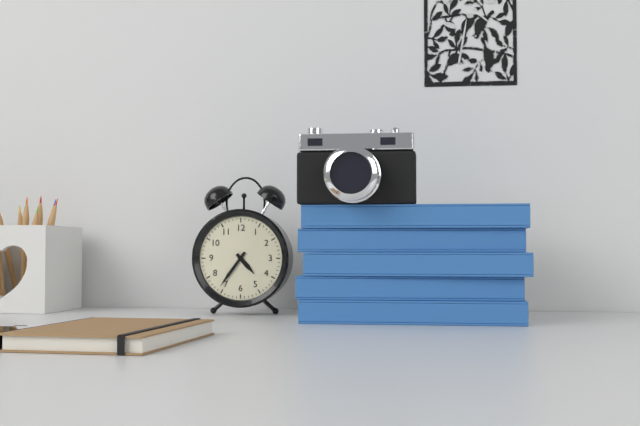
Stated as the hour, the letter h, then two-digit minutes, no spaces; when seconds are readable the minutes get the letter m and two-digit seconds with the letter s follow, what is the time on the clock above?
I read 4h36
